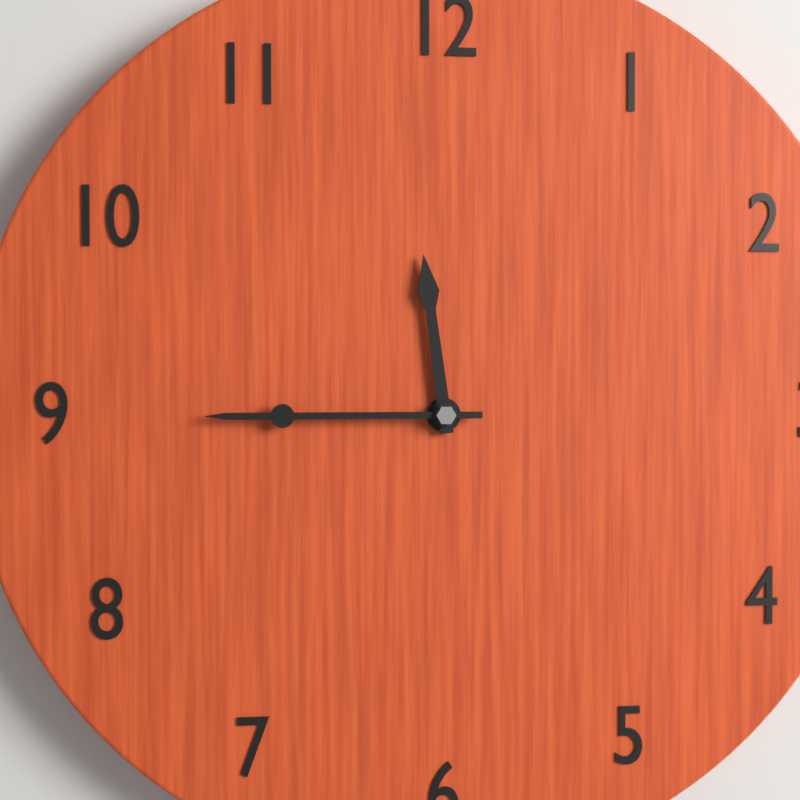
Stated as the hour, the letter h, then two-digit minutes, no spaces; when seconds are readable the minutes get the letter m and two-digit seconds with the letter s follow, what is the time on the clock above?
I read 11h45
